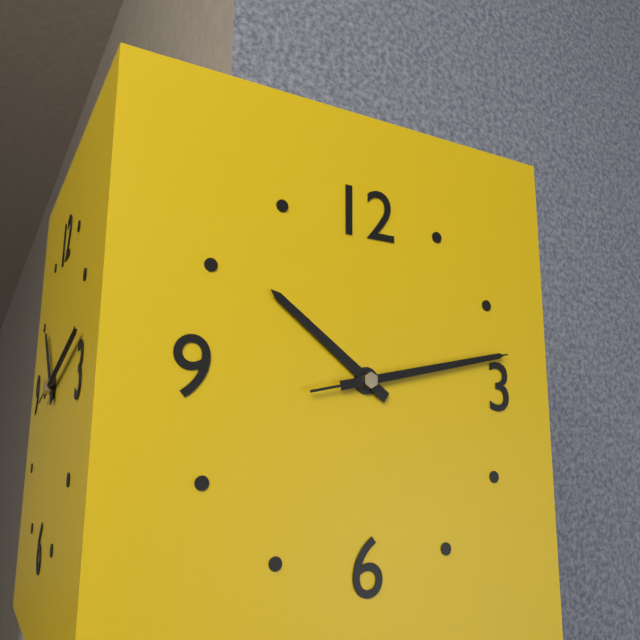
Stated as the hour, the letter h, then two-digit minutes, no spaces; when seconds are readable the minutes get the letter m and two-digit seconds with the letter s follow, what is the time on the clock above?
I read 10h13m13s
